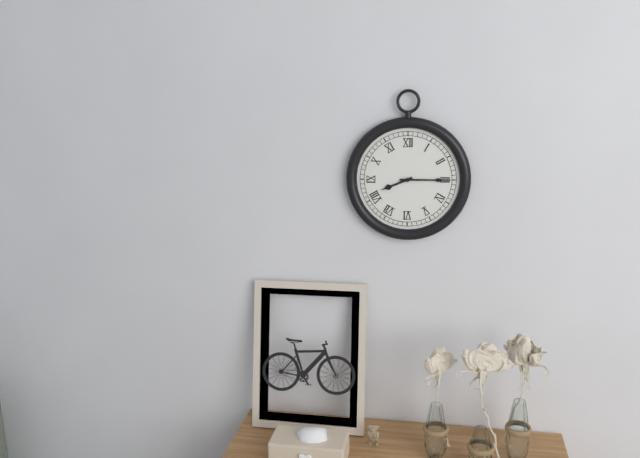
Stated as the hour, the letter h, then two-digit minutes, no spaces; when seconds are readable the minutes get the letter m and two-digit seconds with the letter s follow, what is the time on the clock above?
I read 8h15
